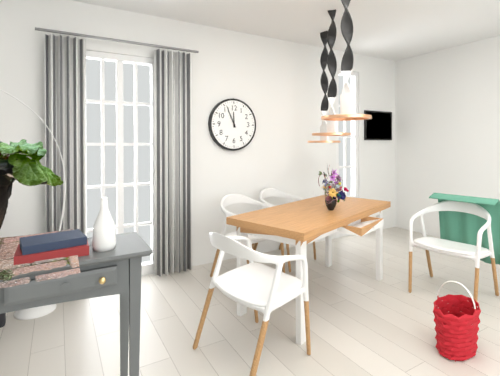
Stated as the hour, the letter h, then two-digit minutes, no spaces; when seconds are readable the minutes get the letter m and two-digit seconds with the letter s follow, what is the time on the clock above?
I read 11h56
